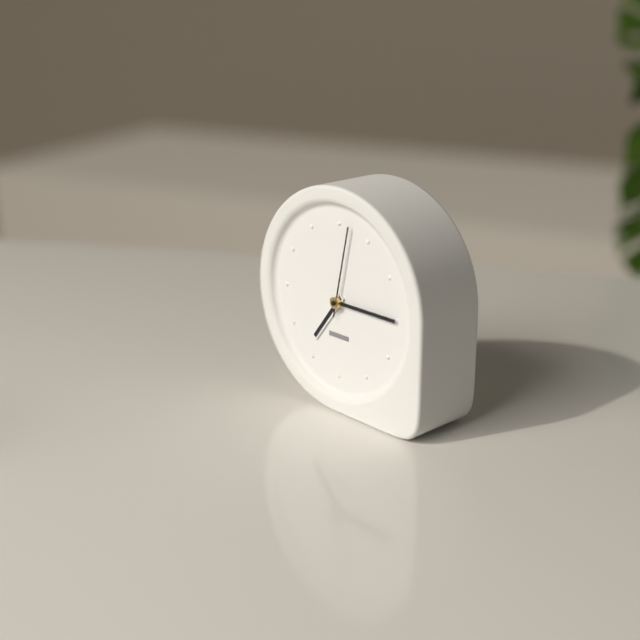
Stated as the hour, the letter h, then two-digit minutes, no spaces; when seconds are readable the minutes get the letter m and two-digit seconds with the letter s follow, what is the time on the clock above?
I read 7h15m02s
